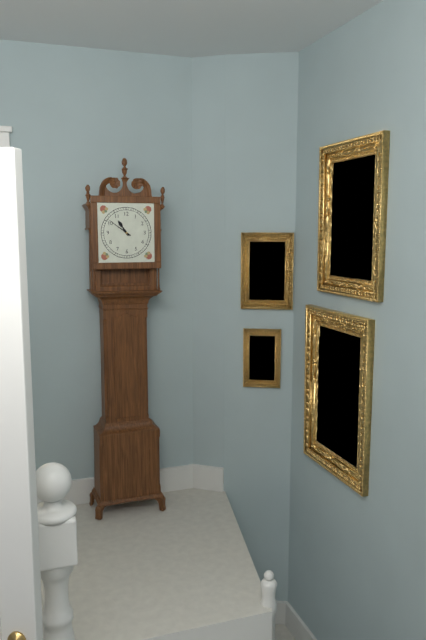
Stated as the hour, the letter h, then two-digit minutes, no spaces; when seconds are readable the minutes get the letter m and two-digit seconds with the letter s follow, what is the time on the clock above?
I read 10h51
